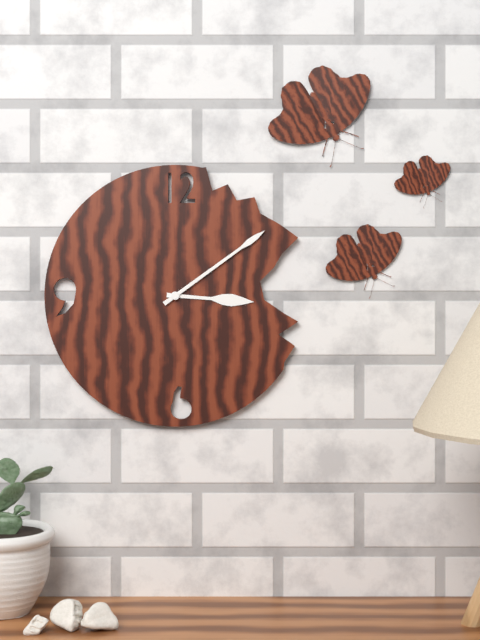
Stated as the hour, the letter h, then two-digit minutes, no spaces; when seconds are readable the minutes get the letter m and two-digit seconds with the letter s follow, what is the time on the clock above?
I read 3h09
